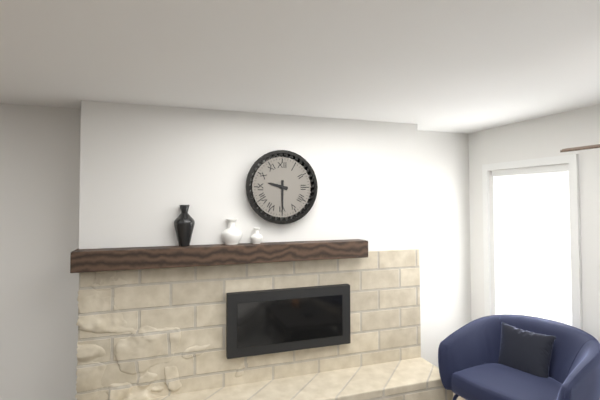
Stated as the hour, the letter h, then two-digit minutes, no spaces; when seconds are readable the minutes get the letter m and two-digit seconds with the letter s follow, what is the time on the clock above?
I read 9h30
